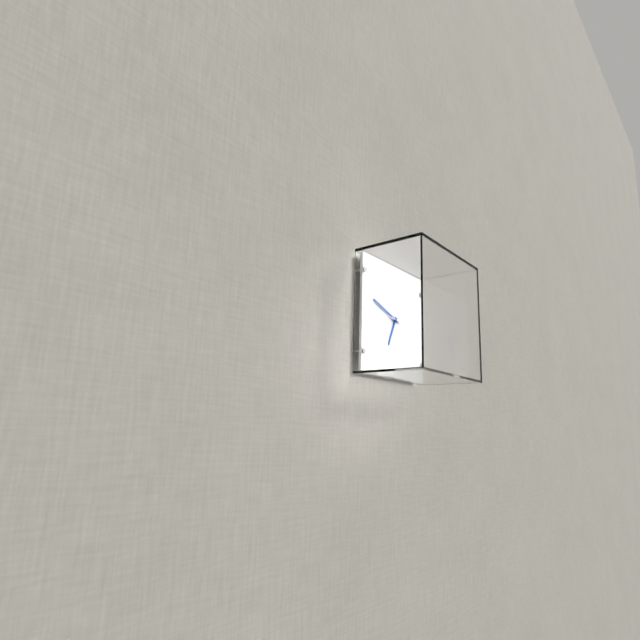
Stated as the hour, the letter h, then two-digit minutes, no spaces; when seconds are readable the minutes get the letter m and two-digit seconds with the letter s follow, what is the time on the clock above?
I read 6h48
